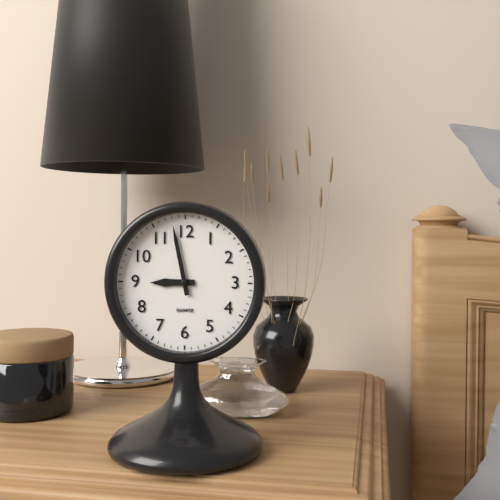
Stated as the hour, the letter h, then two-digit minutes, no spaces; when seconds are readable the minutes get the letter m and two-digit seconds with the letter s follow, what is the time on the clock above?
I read 8h58
